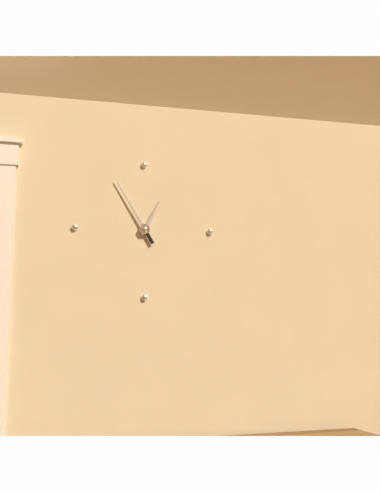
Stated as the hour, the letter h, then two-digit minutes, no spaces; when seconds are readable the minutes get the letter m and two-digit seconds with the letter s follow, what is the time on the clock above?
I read 12h55
